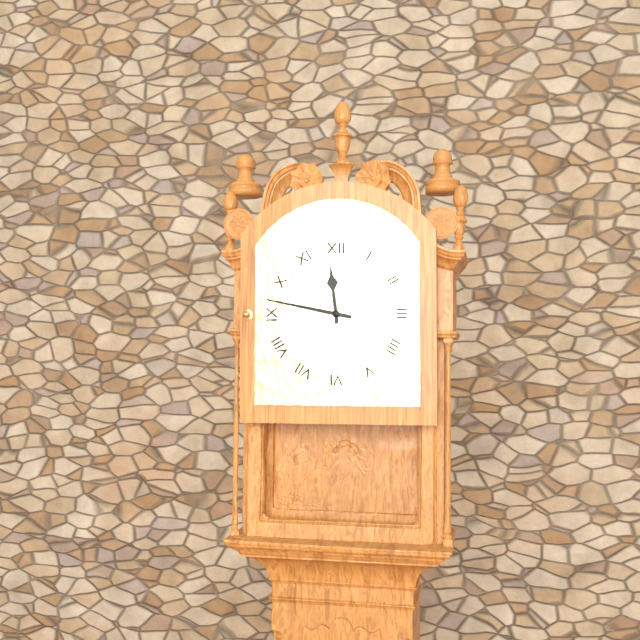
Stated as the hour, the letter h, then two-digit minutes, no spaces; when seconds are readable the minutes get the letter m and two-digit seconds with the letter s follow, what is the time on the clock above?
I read 11h47
